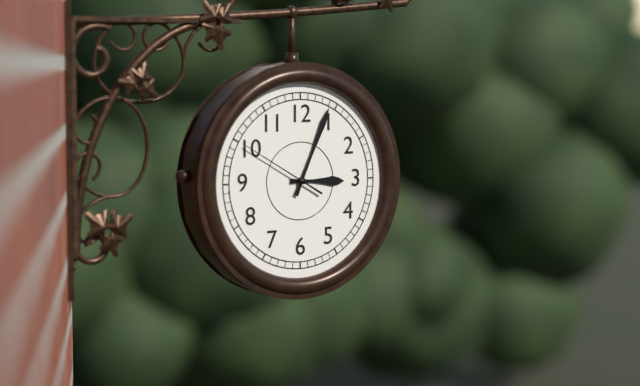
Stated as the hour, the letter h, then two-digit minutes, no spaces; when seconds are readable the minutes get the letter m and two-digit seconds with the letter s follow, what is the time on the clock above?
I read 3h04m50s
